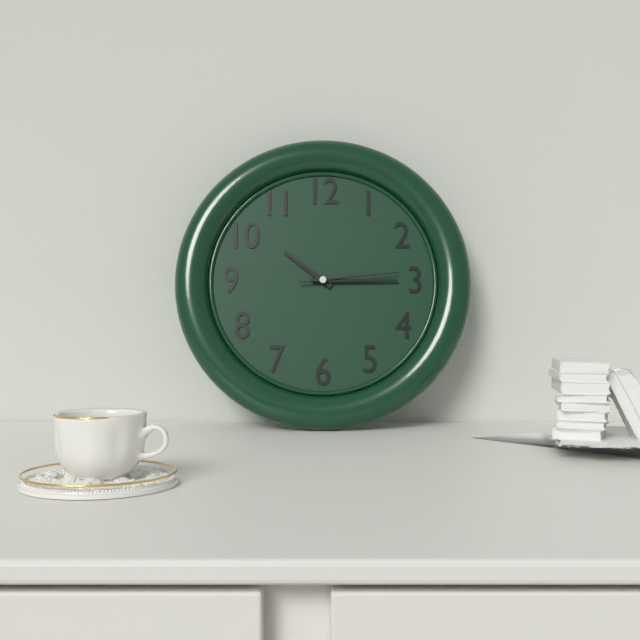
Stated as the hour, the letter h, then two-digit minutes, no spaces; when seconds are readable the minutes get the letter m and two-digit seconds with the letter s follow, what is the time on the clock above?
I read 10h15m14s
